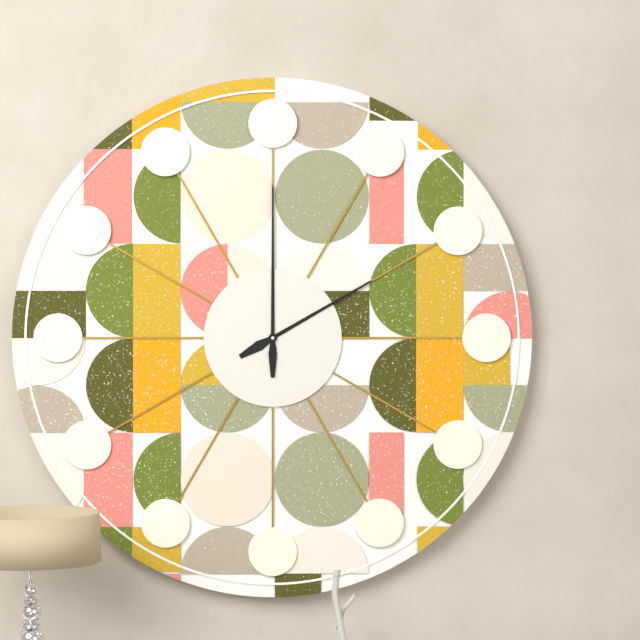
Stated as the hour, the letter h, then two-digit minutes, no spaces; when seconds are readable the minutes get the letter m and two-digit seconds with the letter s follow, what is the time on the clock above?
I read 2h00
